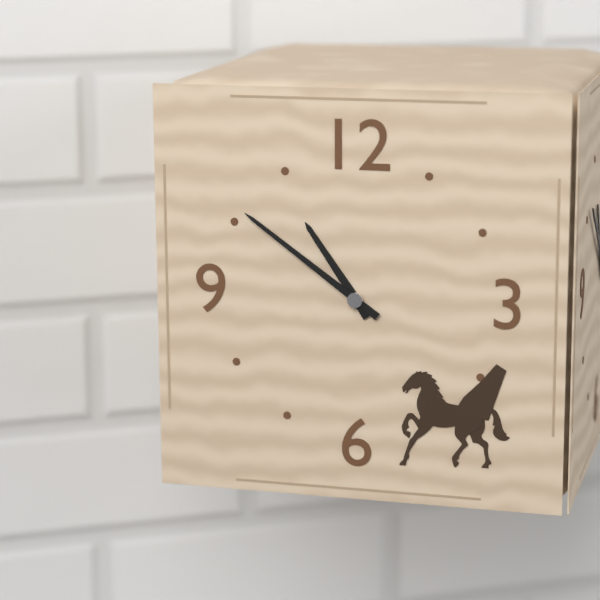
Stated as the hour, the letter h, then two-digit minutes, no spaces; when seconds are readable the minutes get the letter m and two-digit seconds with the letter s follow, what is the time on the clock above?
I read 10h51
